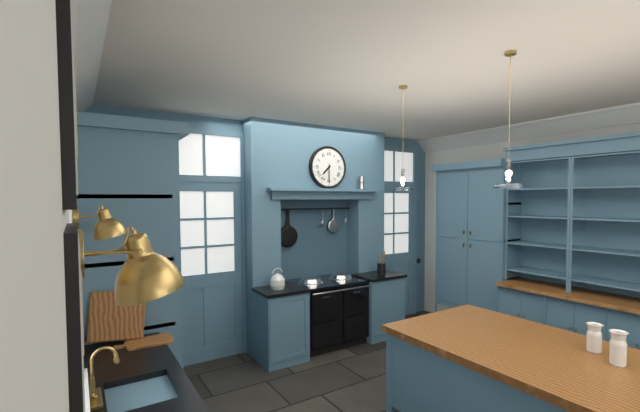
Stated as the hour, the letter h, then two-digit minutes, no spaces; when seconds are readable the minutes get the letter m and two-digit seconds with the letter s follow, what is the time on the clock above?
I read 7h30
